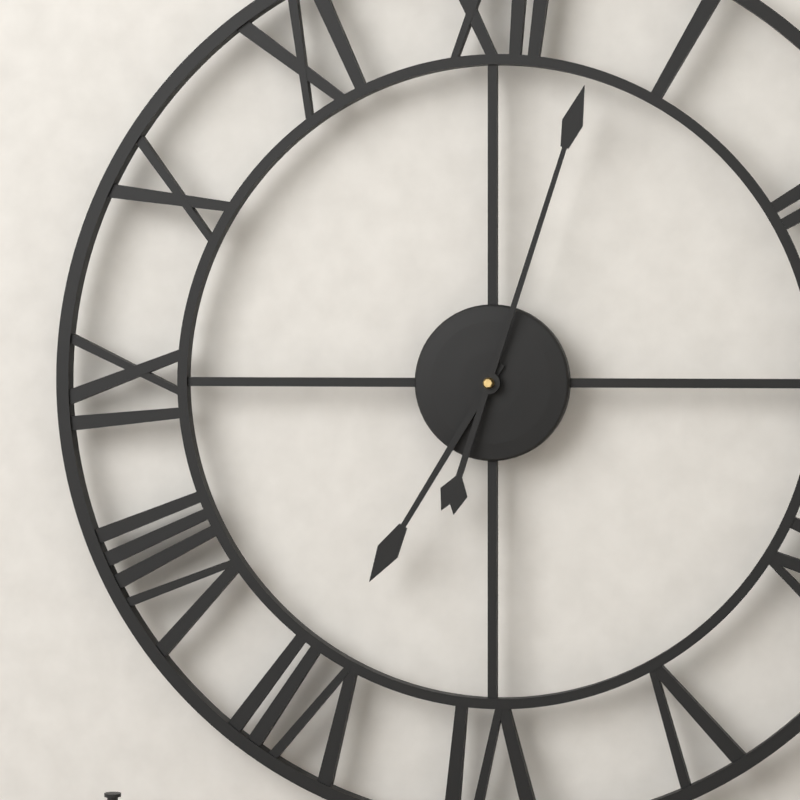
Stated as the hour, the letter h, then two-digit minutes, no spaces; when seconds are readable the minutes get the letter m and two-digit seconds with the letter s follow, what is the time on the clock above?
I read 7h03
